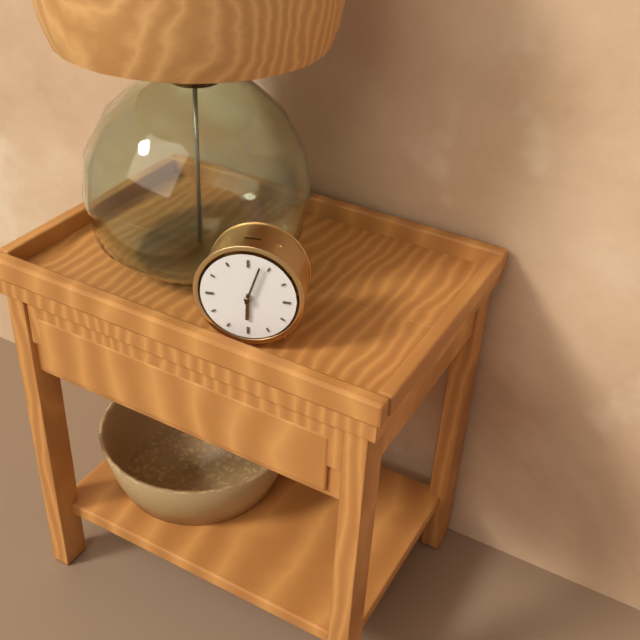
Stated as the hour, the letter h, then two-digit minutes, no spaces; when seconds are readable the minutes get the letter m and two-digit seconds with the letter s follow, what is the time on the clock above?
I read 6h03
